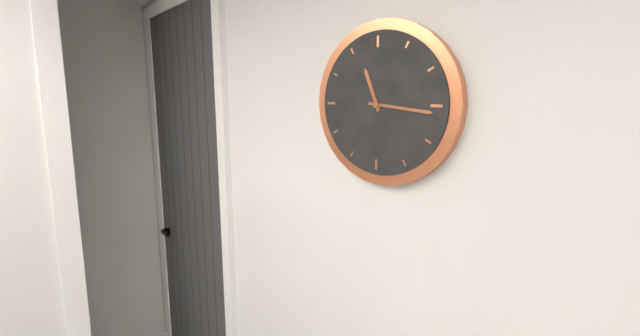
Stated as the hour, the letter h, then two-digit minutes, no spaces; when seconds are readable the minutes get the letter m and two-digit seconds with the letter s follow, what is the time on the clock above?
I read 11h16
